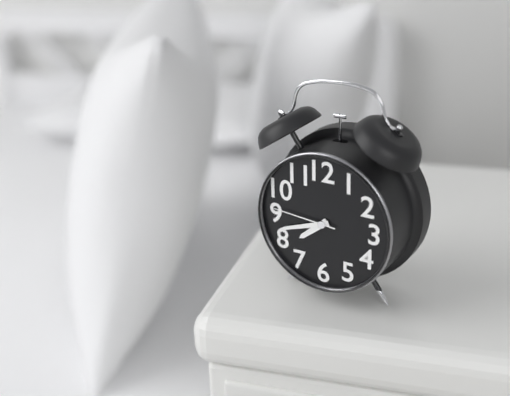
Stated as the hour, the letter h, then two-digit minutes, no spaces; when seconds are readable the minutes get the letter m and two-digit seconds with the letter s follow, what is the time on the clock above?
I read 7h42m46s
